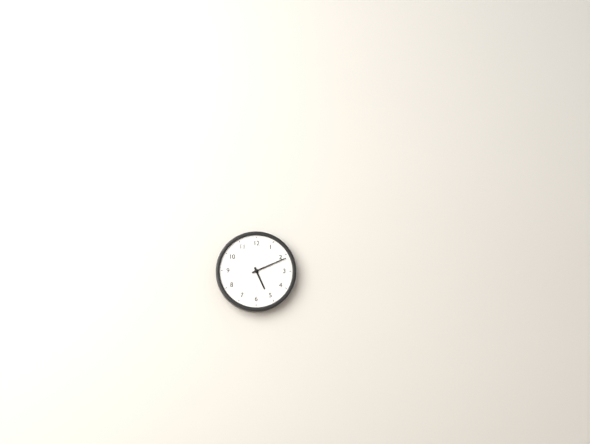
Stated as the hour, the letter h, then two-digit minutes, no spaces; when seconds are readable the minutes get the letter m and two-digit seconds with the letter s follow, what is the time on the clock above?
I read 5h11
